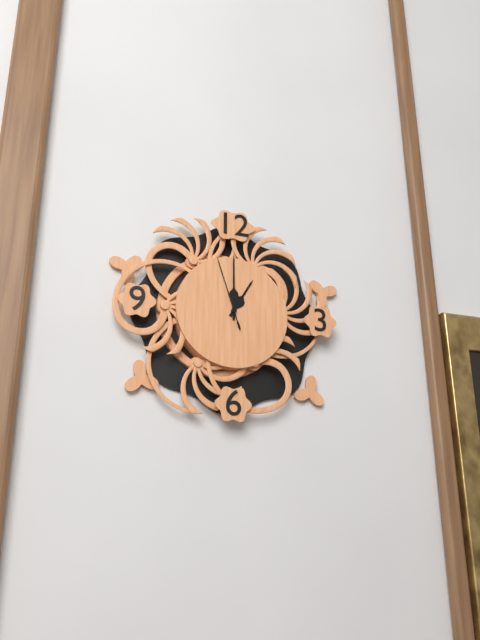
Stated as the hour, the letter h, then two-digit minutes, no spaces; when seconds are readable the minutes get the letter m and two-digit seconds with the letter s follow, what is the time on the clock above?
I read 1h00m57s
